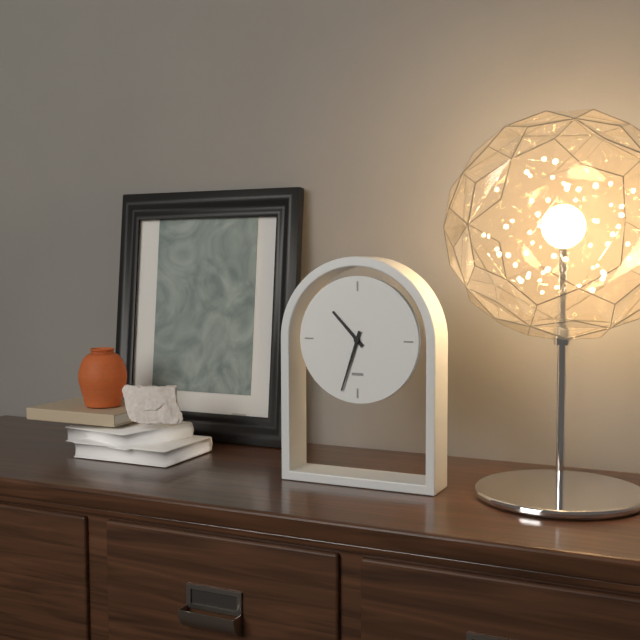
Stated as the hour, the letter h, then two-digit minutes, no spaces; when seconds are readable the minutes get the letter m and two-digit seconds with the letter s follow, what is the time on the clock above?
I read 10h33
